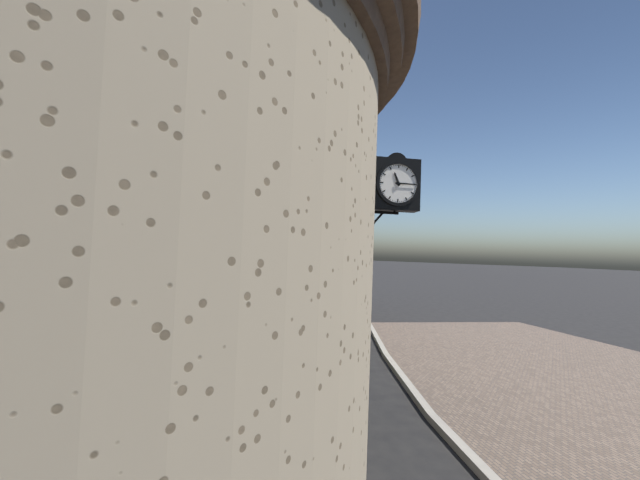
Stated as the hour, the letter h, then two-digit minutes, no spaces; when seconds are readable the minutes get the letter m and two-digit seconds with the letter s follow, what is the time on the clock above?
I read 11h15
